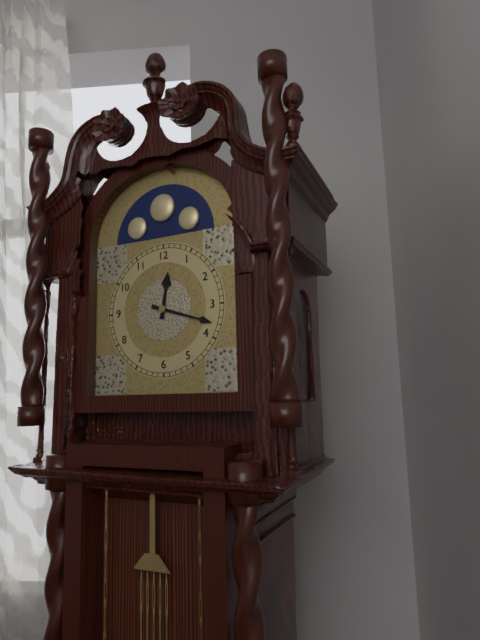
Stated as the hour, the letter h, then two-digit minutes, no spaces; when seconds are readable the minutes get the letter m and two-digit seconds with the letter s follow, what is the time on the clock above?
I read 12h18
